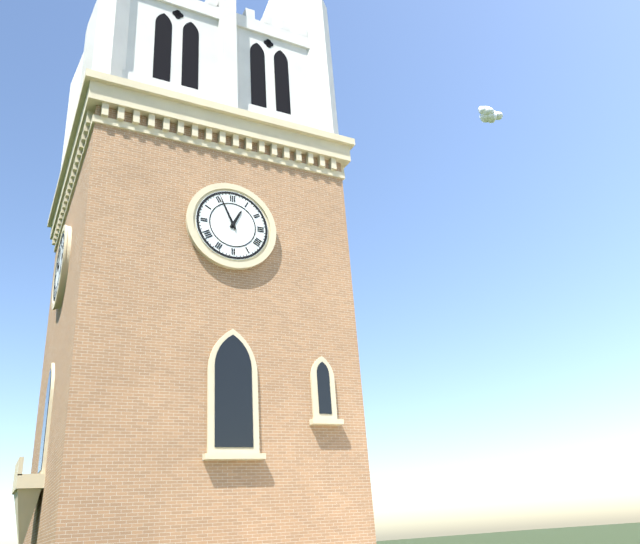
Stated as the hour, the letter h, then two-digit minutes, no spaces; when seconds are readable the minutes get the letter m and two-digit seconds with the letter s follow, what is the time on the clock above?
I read 12h56
